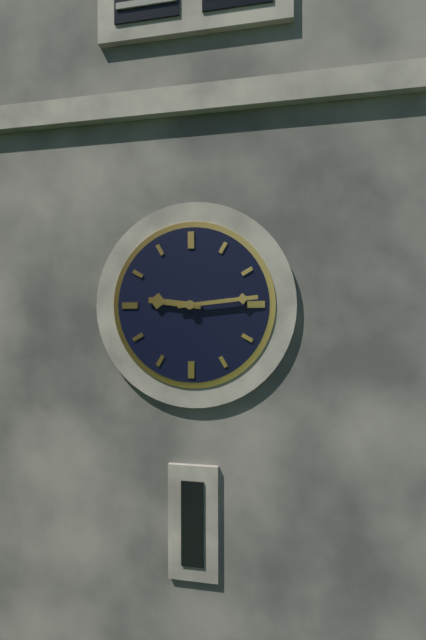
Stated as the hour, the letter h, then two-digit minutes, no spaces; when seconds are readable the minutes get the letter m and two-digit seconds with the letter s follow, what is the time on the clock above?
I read 9h14
